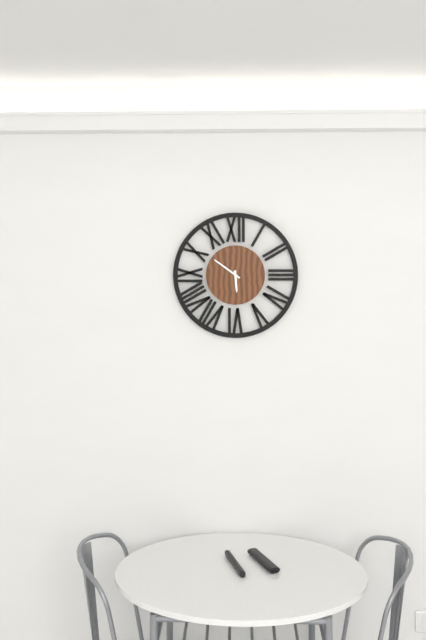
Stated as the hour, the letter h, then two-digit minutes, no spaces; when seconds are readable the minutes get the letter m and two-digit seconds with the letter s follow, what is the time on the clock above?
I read 5h51
